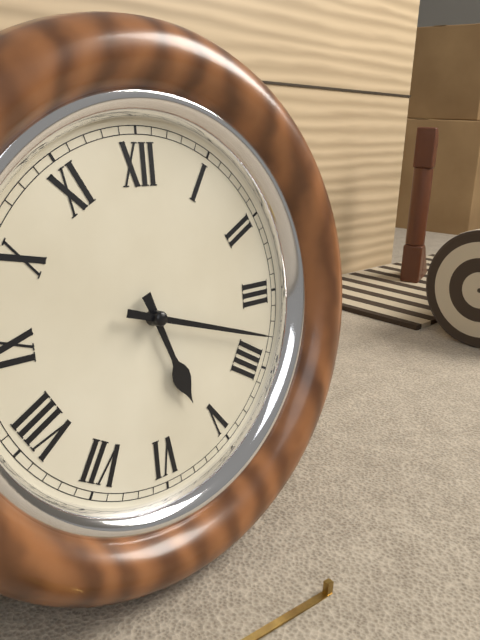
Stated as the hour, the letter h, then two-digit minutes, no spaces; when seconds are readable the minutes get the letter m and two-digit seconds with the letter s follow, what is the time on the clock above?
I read 5h18
